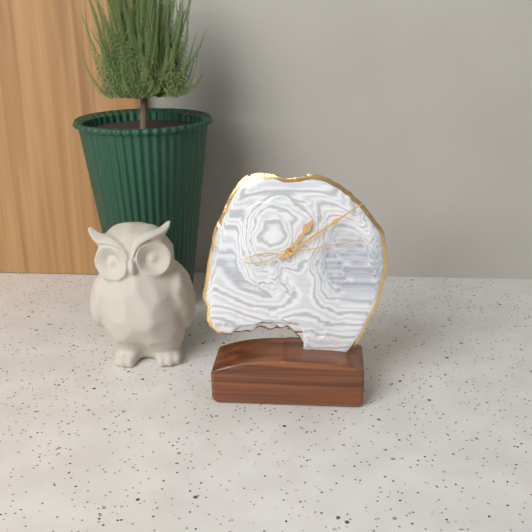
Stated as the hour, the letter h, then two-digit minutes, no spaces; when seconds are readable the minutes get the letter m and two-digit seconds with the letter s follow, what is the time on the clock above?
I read 1h09m13s
